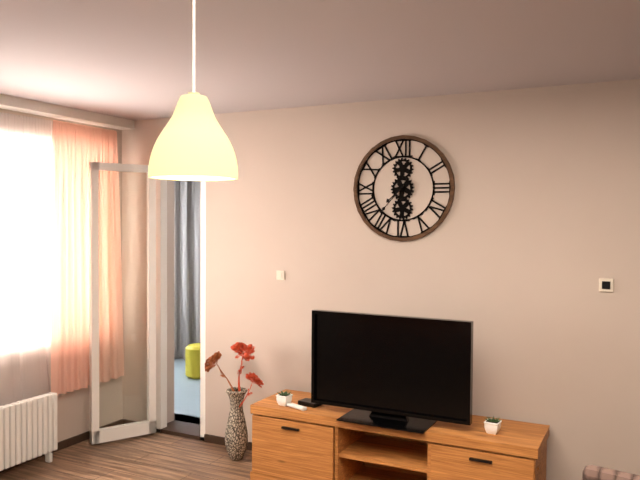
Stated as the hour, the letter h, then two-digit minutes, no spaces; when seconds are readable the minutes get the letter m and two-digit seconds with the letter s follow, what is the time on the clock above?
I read 7h37
